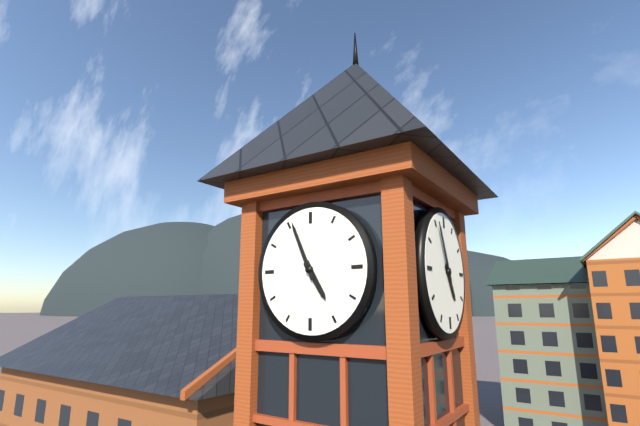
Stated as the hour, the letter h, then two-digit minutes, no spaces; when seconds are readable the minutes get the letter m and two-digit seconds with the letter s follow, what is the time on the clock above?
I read 4h56
